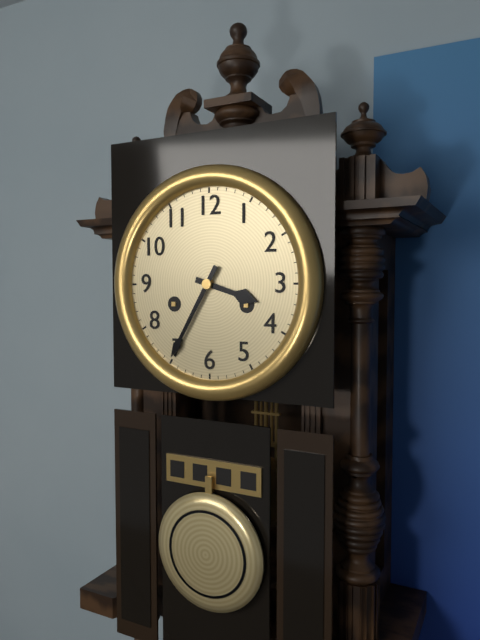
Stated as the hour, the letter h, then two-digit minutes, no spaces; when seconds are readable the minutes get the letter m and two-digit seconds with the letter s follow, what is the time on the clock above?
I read 3h35
